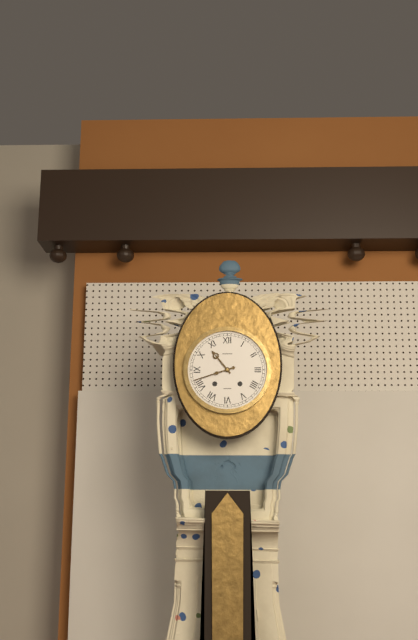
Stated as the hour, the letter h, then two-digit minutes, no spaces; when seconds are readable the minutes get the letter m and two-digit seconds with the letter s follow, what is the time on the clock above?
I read 10h42
